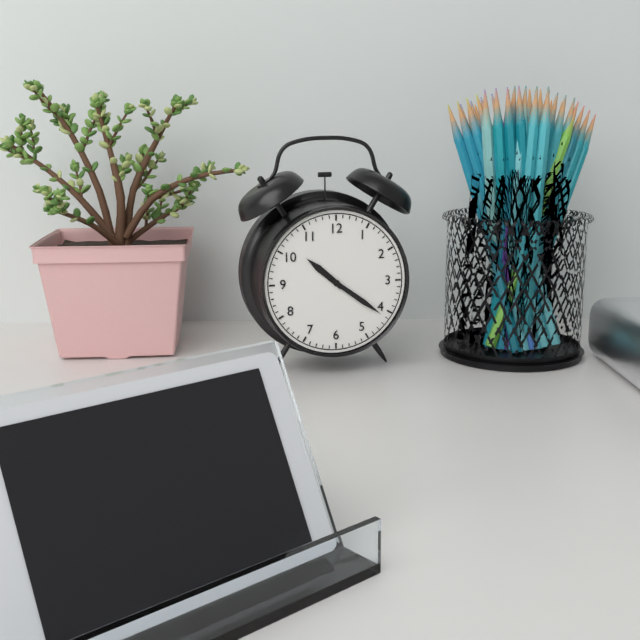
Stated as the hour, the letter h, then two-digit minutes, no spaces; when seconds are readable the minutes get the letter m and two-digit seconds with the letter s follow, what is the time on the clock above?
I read 10h21
